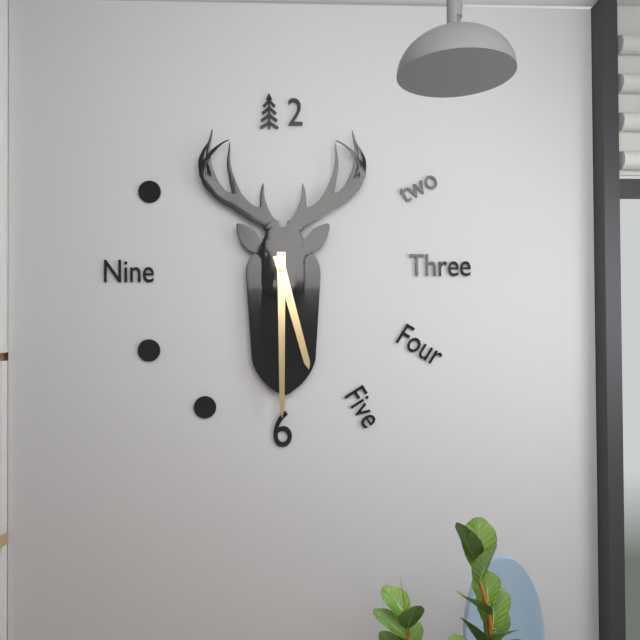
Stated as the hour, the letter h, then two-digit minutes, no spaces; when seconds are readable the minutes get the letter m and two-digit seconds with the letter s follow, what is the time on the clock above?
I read 5h30
